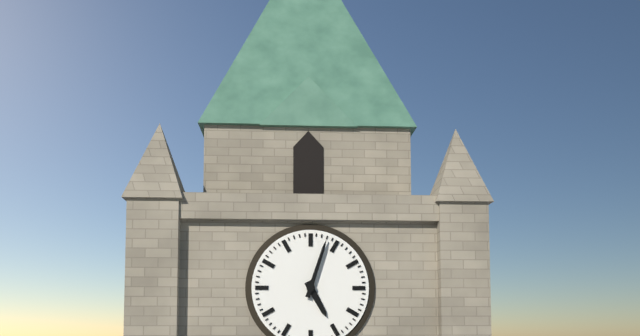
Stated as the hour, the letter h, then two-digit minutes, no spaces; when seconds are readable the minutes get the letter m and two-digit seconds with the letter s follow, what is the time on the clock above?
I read 5h03
